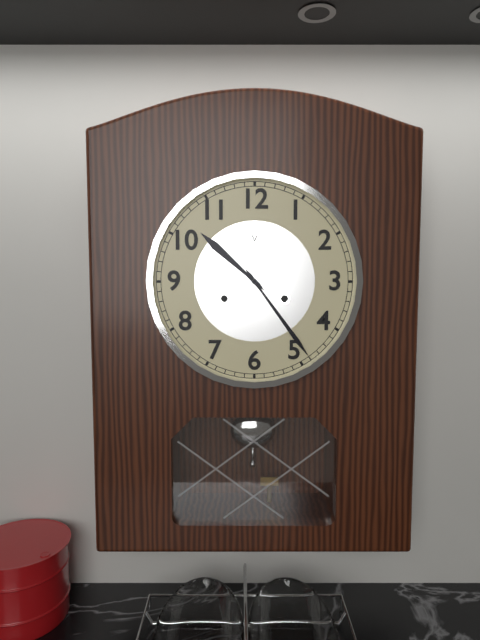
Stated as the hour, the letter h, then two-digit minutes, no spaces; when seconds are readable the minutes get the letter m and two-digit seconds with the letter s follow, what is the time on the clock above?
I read 10h24
